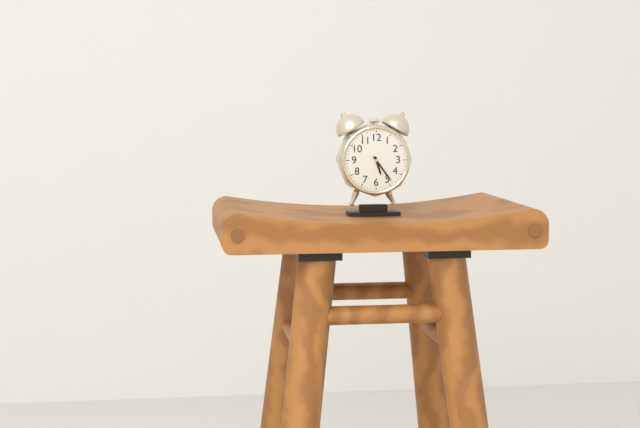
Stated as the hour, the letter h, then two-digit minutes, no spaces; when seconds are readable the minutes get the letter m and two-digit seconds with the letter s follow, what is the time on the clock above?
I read 5h24
